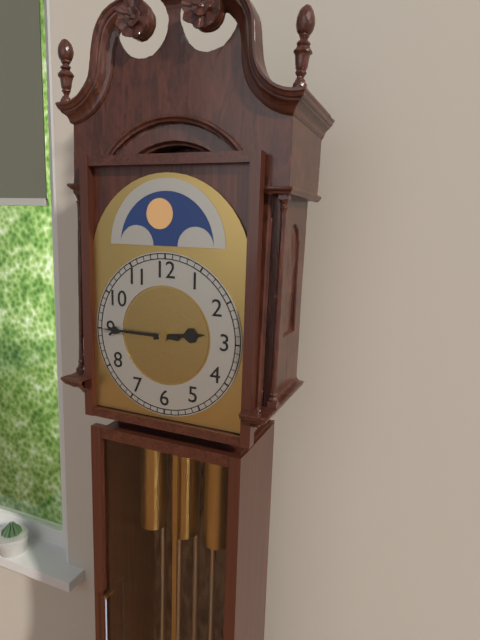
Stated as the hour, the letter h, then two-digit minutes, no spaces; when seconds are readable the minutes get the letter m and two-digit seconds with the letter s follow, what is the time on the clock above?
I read 2h45
